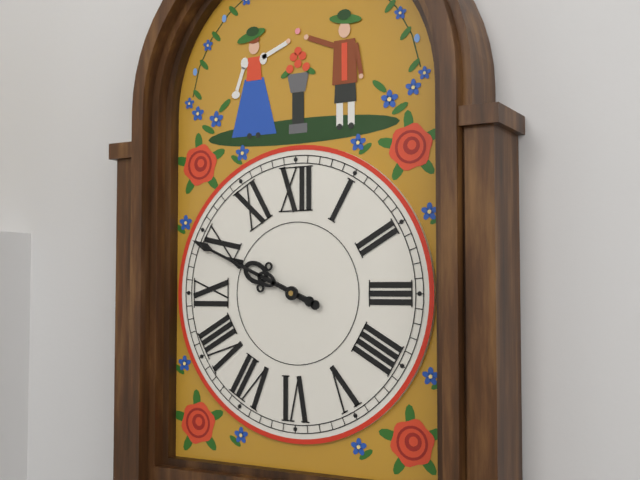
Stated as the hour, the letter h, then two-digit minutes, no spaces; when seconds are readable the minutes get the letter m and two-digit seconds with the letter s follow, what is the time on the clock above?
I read 9h49
